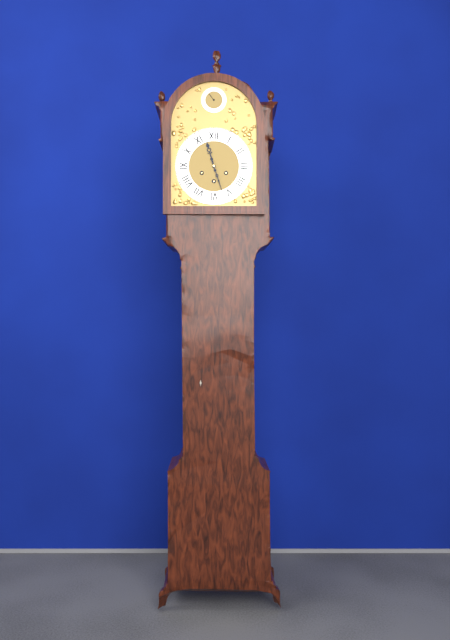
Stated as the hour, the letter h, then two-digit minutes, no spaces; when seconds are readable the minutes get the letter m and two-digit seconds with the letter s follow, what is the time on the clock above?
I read 11h27
